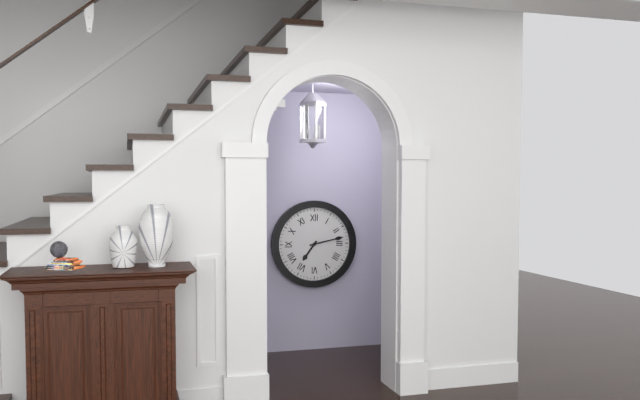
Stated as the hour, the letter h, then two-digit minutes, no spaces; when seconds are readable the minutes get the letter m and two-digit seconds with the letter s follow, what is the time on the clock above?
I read 7h13
